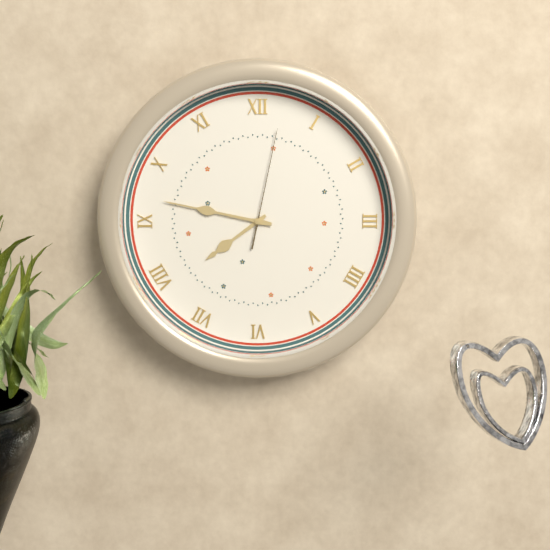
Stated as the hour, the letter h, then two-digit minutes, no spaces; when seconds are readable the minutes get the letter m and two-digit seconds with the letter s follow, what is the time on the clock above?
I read 7h47m02s
